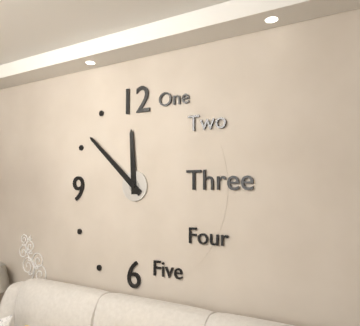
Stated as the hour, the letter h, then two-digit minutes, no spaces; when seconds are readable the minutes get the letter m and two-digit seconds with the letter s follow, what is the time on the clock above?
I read 11h52
